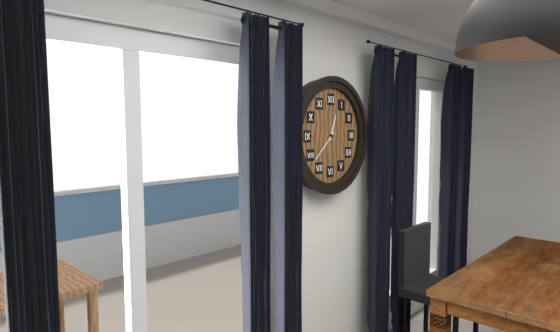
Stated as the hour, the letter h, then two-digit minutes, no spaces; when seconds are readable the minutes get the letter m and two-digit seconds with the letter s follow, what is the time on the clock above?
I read 12h38
